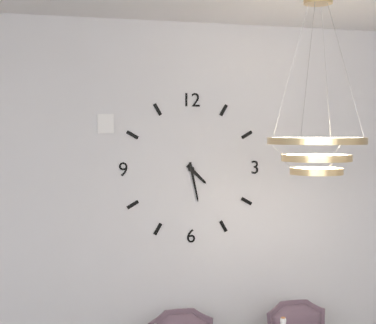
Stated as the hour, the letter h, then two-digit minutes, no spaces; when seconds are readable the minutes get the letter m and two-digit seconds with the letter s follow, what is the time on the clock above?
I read 4h28
